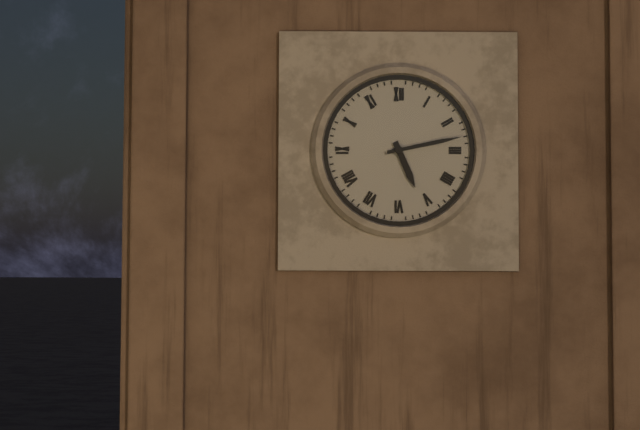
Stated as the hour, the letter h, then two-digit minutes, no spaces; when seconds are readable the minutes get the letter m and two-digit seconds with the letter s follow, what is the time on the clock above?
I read 5h13
